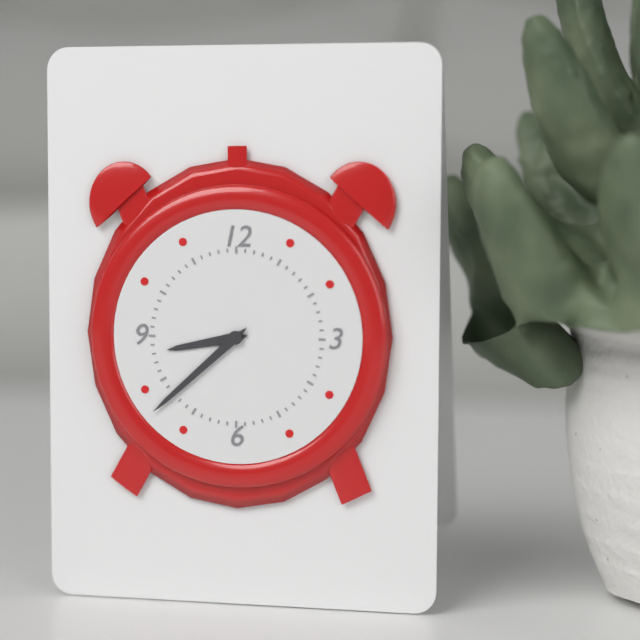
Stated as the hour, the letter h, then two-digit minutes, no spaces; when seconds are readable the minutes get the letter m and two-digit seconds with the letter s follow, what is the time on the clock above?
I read 8h38
